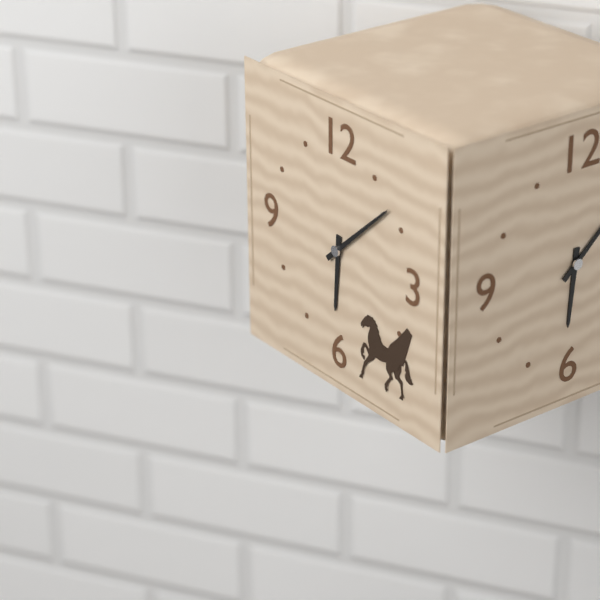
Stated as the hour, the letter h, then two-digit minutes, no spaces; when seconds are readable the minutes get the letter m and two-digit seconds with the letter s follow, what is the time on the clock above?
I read 6h08
